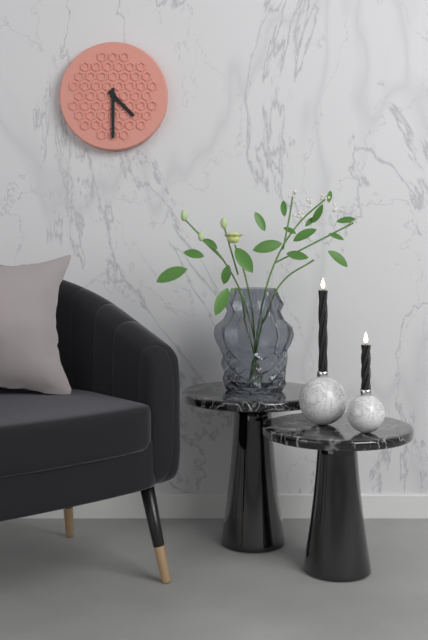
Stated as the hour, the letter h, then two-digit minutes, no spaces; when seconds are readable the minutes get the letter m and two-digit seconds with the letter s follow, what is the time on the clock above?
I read 4h30
